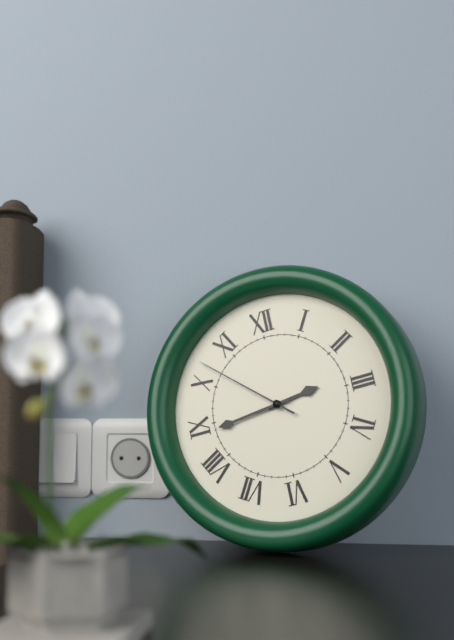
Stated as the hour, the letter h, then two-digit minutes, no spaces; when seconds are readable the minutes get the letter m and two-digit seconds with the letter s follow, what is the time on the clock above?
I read 2h44m52s
